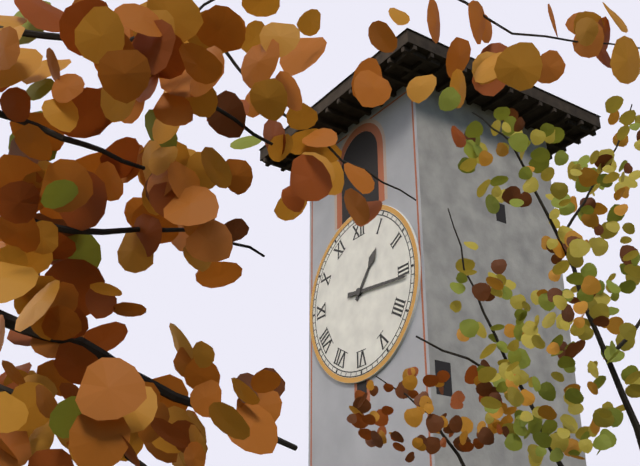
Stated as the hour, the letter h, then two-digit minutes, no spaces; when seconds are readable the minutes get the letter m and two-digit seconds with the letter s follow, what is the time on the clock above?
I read 1h16
